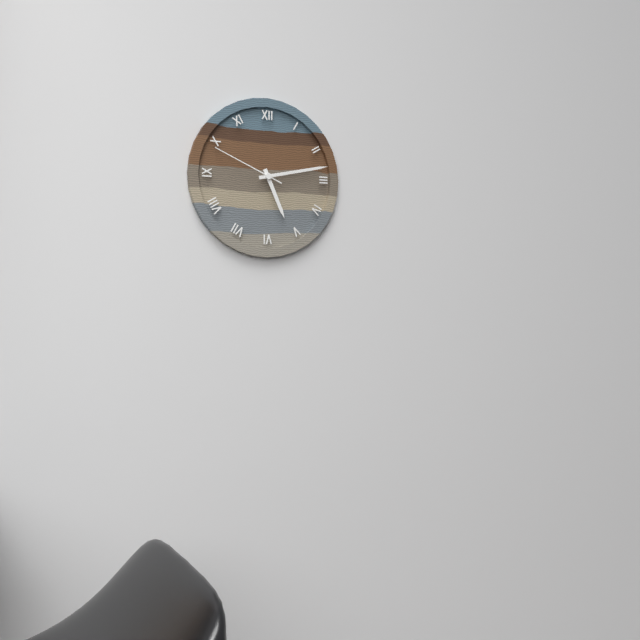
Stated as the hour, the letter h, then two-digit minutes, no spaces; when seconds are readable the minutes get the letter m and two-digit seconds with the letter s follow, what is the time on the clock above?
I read 5h13m49s
